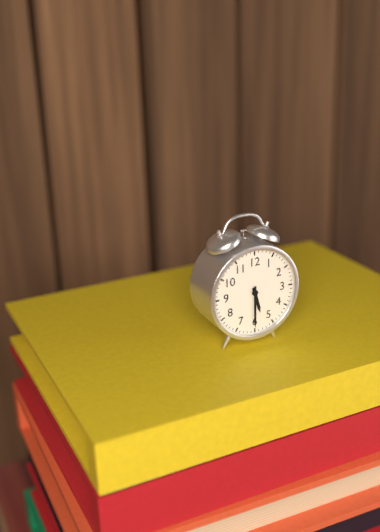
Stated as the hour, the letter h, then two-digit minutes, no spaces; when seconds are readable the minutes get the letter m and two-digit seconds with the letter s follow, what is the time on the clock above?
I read 5h30
